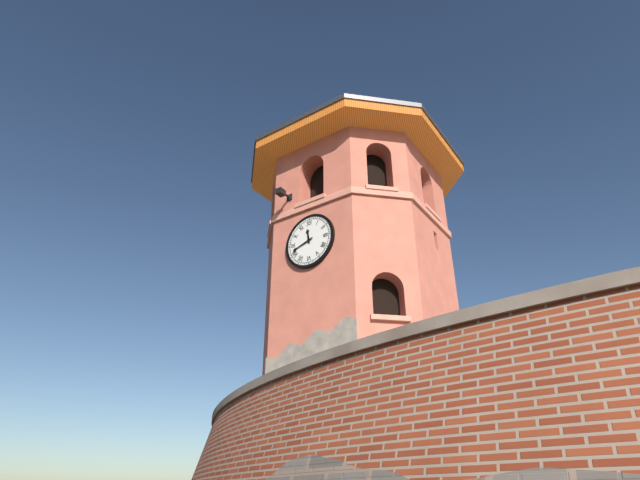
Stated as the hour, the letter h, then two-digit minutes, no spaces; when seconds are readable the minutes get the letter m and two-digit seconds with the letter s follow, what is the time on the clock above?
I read 11h42
